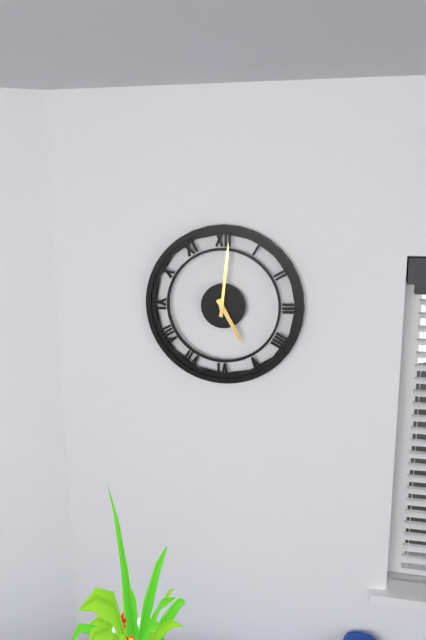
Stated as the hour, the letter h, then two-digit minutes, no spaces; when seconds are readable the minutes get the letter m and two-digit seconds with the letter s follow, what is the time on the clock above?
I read 5h01
